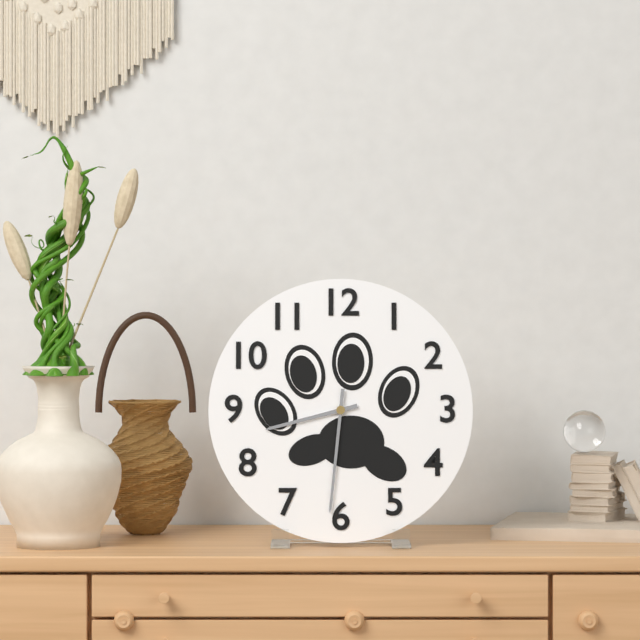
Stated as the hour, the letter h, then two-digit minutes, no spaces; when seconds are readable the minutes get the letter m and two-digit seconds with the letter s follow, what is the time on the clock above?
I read 8h31
